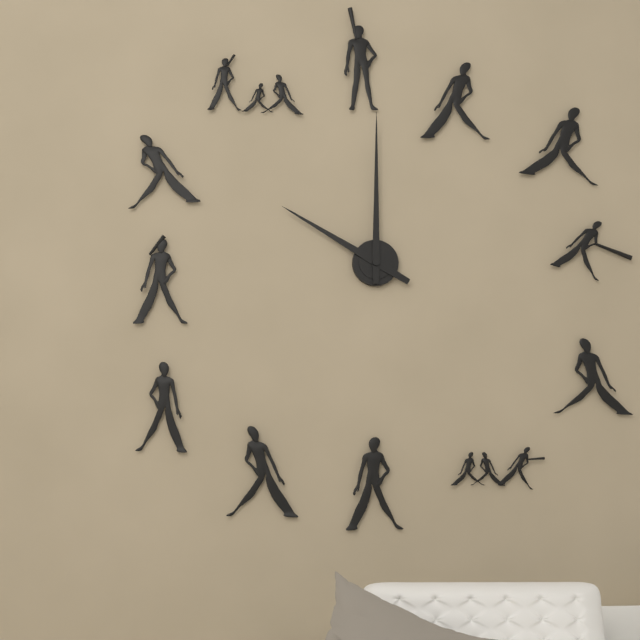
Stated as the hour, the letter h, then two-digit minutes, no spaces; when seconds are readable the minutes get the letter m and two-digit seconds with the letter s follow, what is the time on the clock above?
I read 10h00
